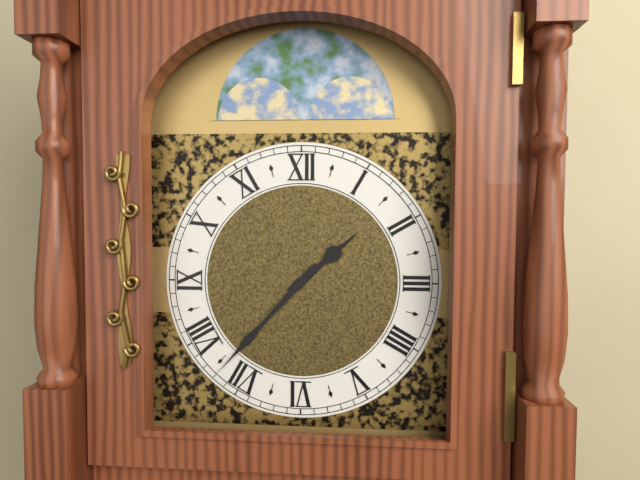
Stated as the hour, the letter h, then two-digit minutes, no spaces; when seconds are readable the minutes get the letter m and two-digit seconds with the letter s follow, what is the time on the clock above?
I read 1h37
